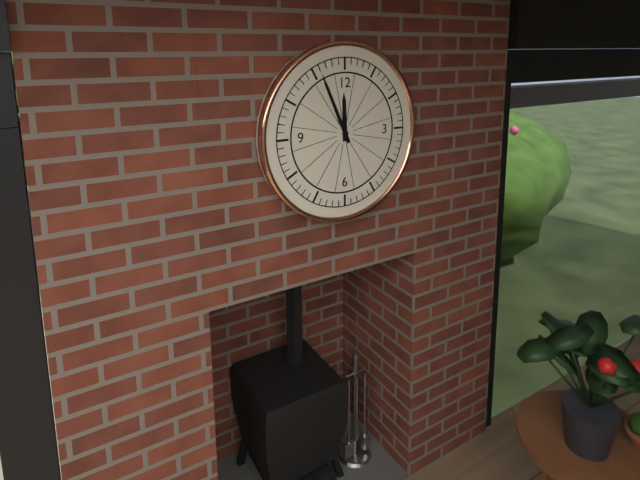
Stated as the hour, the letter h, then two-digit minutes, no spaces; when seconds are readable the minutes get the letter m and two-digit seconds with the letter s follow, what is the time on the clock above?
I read 11h56
